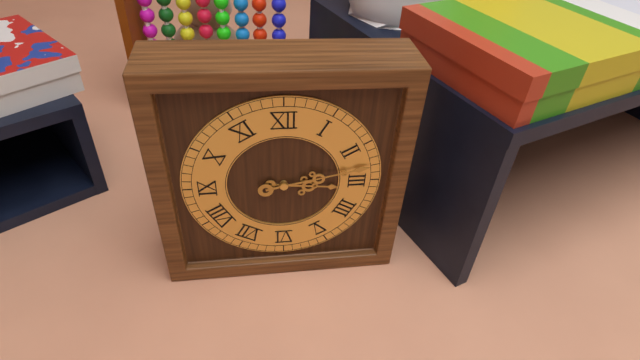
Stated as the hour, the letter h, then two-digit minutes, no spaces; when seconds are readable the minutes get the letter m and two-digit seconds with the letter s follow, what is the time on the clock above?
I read 3h13
